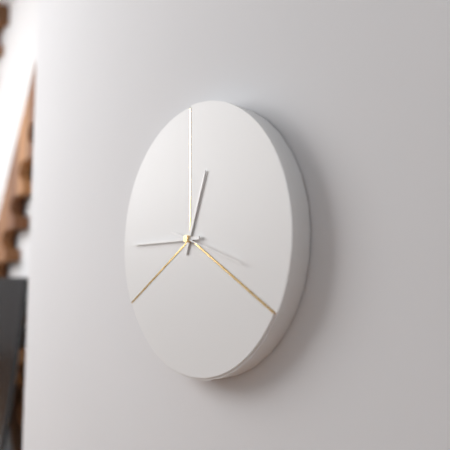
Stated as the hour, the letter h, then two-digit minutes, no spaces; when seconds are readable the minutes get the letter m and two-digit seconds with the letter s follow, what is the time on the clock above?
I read 12h45m18s
